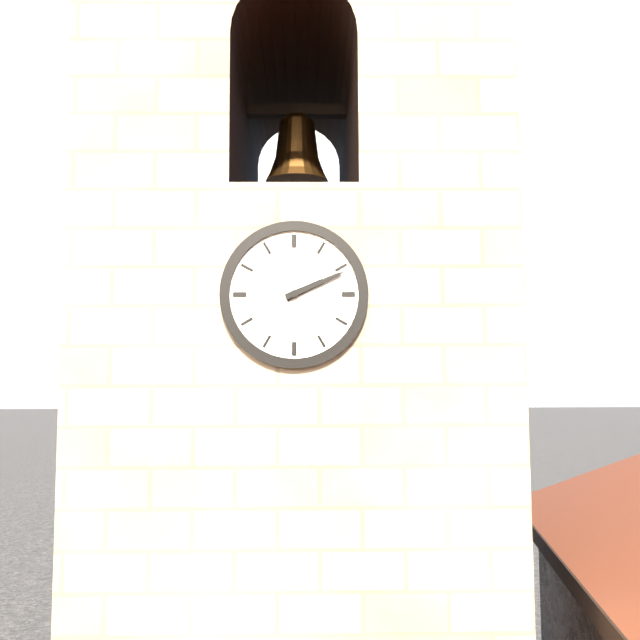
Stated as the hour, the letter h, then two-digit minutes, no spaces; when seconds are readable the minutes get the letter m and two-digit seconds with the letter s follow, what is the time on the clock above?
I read 2h11
